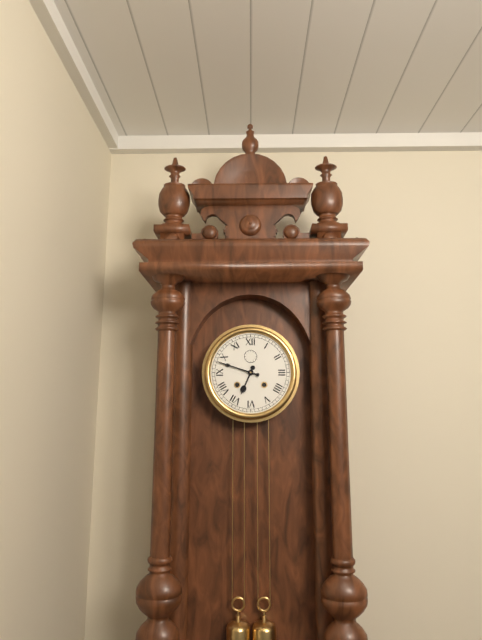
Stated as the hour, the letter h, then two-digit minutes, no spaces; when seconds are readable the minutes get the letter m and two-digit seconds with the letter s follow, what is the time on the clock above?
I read 6h48
